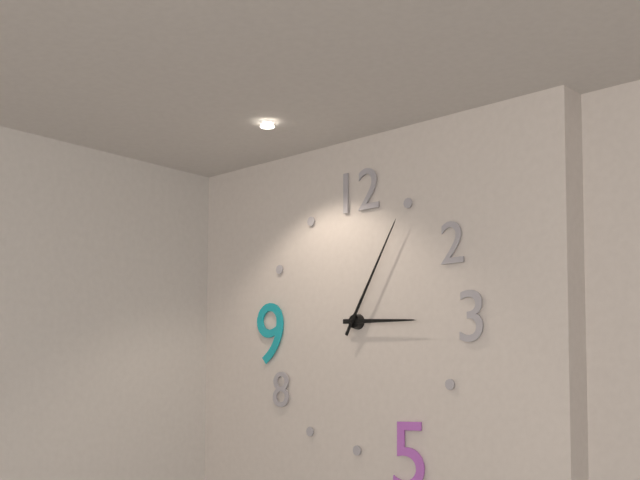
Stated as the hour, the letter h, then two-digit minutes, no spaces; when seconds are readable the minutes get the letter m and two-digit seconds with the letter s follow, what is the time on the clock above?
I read 3h05
